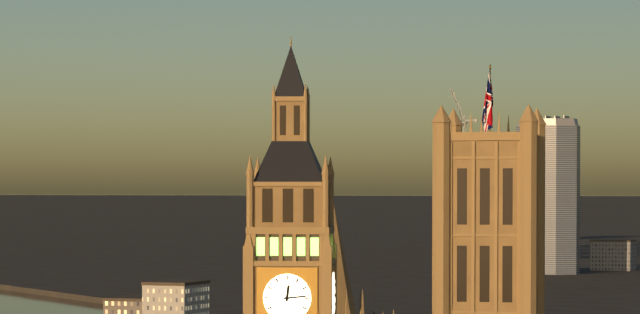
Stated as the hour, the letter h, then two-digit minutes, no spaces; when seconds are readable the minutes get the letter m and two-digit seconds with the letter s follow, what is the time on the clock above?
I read 12h14
